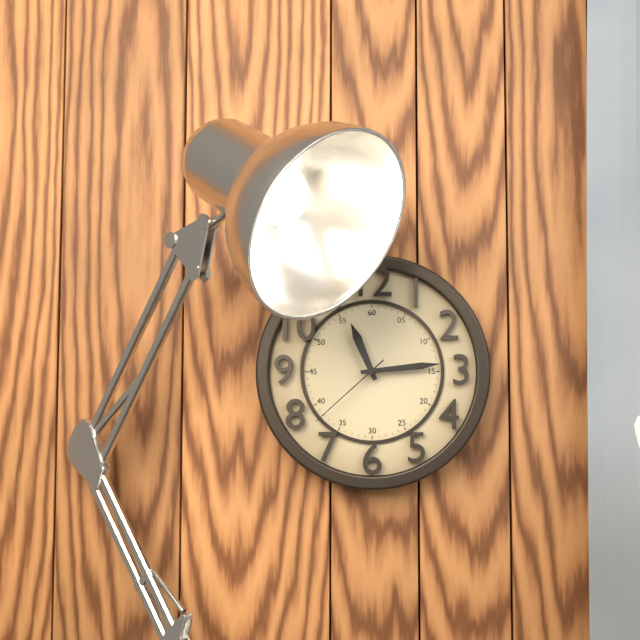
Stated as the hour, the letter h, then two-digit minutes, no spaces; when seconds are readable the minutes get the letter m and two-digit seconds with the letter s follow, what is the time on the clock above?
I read 11h14m38s
